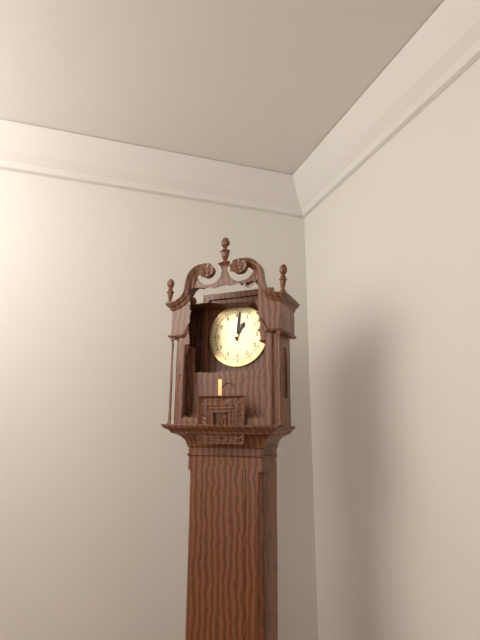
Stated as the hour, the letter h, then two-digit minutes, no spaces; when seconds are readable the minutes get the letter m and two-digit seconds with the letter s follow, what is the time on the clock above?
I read 1h01
